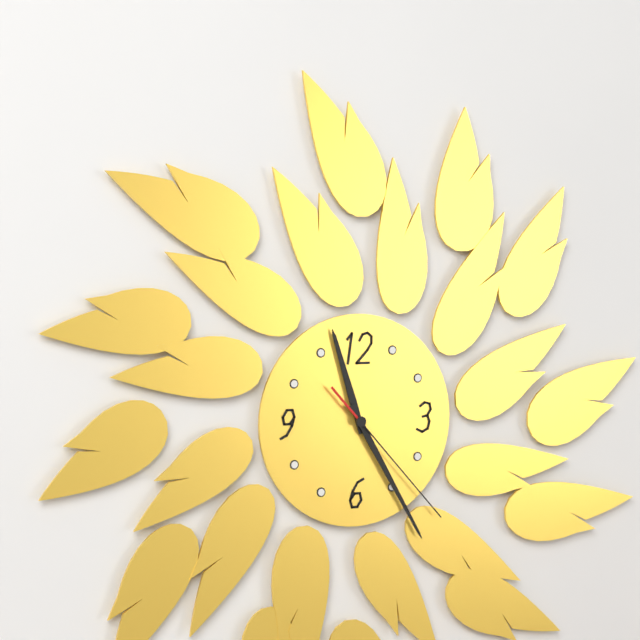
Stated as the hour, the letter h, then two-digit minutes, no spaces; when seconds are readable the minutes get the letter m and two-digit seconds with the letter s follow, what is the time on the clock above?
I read 11h25m23s
